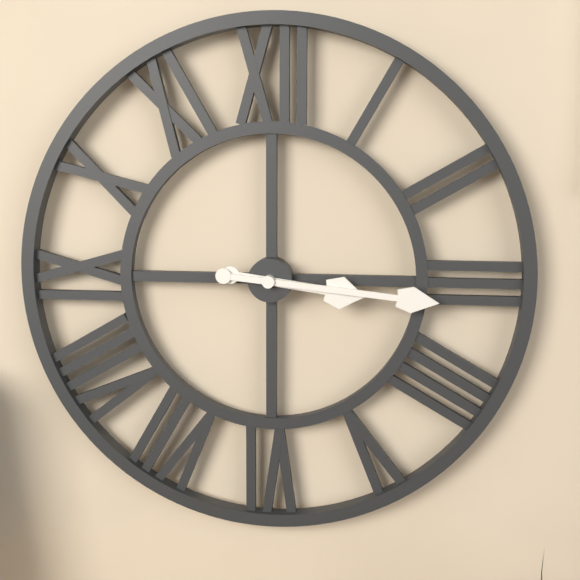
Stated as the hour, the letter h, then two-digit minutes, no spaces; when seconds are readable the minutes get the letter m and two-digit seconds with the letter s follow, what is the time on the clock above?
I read 3h16
